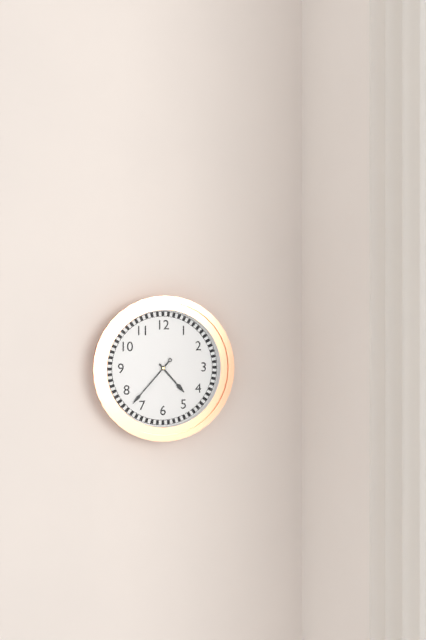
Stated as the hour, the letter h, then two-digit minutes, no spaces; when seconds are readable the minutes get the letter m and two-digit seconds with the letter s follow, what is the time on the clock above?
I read 4h37
